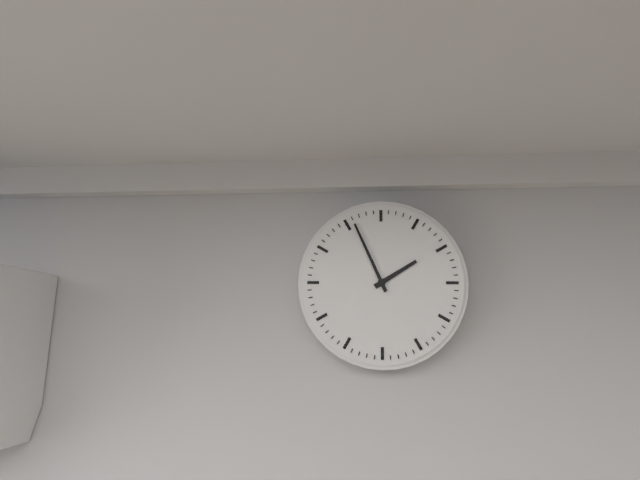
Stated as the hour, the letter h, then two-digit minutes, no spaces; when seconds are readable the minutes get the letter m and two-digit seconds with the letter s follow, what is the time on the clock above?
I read 1h56
